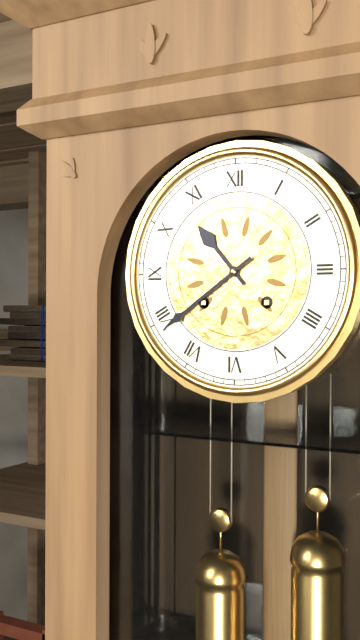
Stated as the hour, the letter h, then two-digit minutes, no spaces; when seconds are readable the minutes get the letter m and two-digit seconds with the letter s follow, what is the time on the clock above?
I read 10h39
